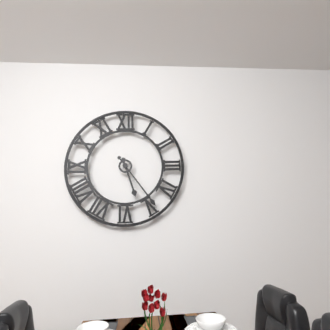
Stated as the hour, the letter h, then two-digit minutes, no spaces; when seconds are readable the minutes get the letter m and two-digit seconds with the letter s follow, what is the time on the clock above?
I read 5h24
